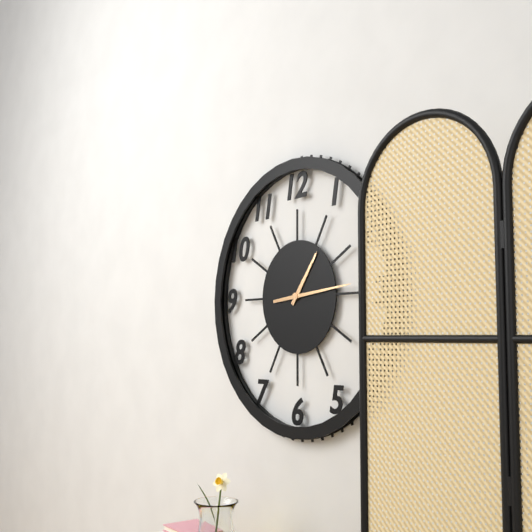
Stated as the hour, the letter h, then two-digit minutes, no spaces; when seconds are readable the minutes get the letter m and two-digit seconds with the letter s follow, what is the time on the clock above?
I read 1h14
